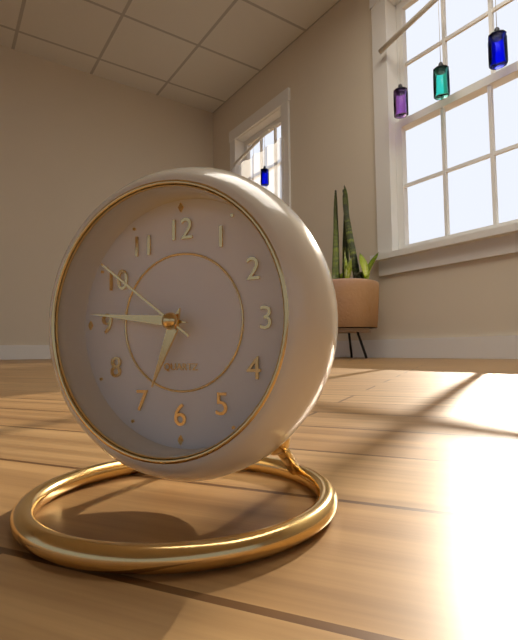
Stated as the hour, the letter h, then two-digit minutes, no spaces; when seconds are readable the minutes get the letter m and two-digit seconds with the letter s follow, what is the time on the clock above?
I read 6h46m51s
